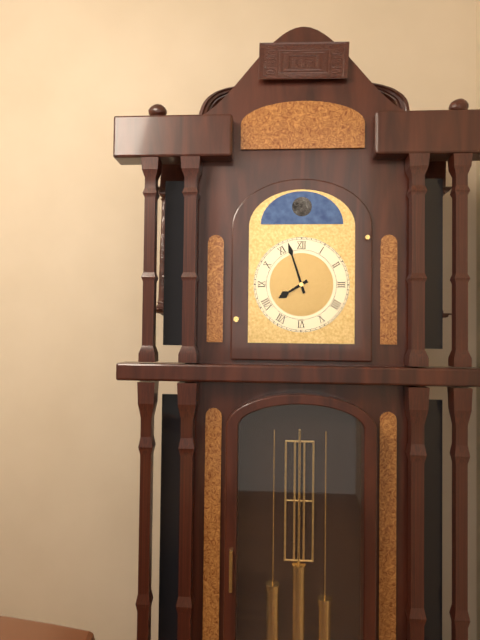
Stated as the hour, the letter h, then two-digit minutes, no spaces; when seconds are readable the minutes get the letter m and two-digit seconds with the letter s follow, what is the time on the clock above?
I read 7h57
